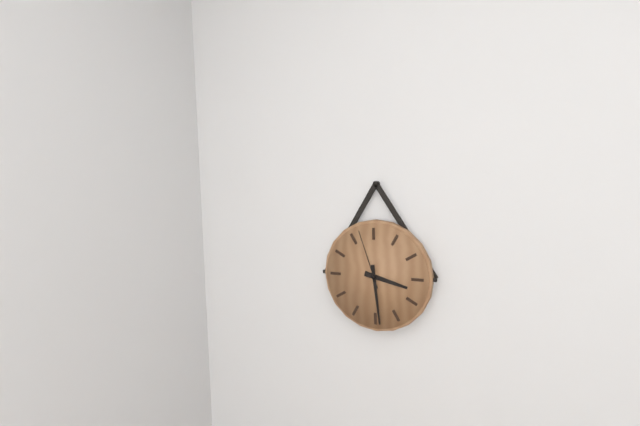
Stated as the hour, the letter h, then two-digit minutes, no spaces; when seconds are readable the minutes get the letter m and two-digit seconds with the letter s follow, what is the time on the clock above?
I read 3h29m57s
